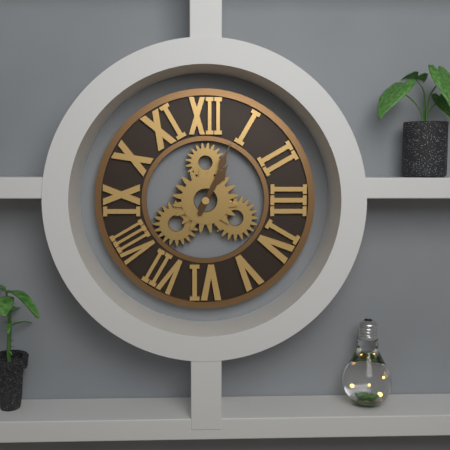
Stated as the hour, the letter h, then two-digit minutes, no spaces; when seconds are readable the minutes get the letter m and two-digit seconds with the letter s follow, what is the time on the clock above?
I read 1h04
